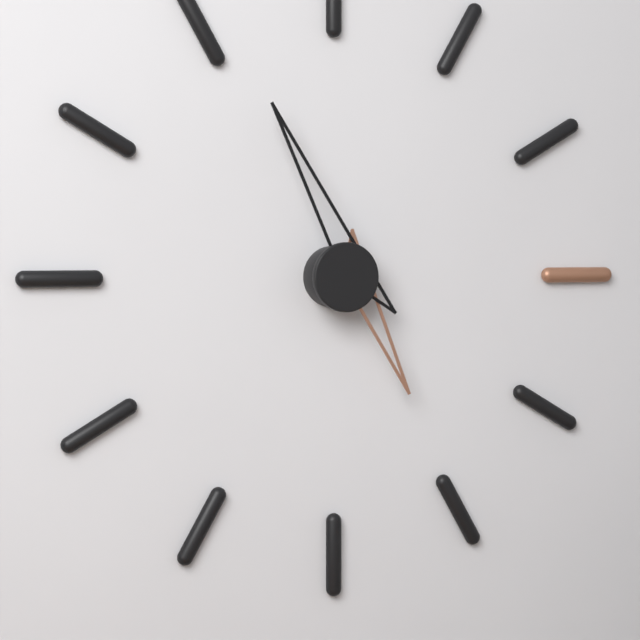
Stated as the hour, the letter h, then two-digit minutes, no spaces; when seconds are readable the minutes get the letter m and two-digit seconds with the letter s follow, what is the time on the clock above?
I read 4h56
